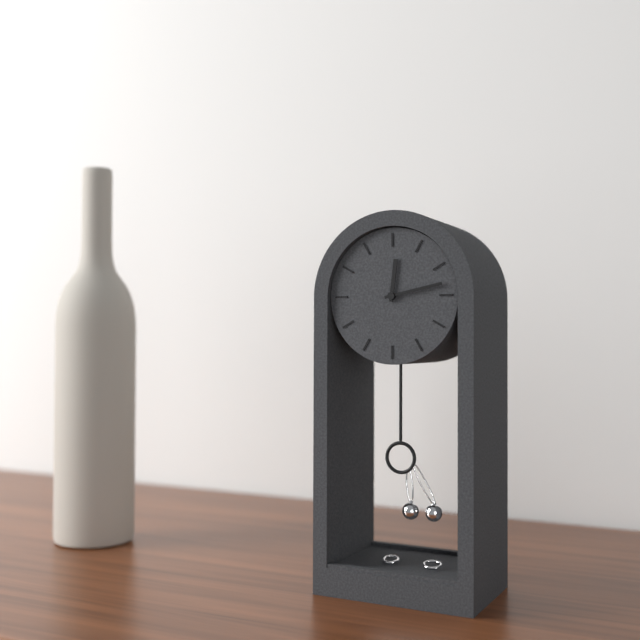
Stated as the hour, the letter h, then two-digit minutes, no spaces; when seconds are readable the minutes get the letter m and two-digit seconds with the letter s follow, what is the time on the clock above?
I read 12h13
